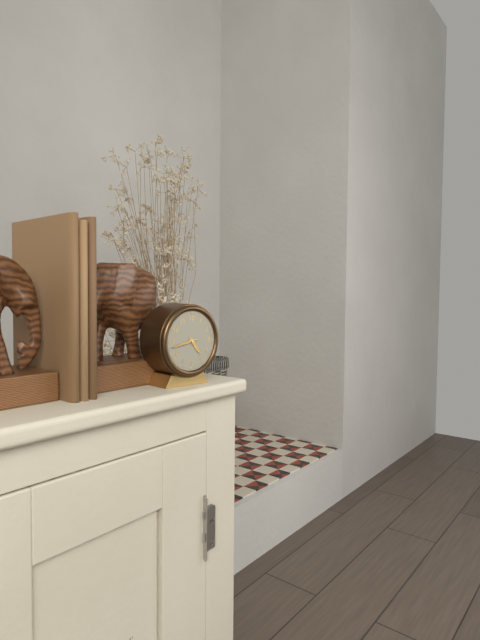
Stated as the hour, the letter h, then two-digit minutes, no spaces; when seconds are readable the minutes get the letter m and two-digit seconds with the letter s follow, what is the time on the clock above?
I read 4h43
